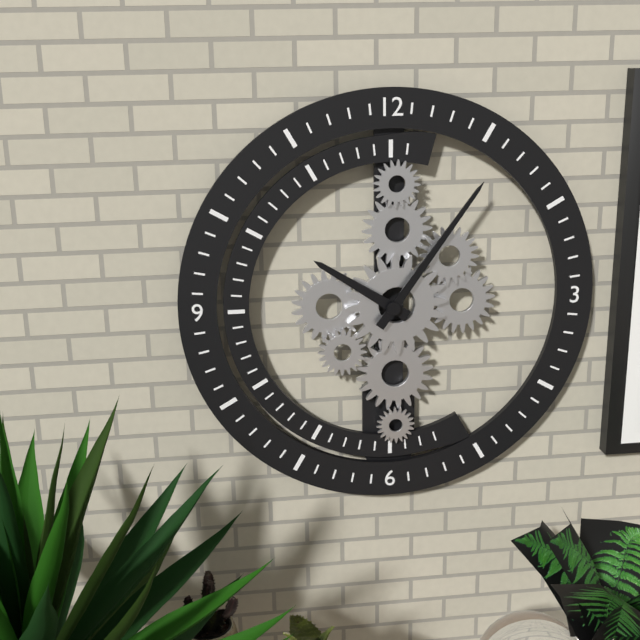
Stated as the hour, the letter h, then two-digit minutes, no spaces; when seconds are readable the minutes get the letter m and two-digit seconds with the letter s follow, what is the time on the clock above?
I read 10h06
